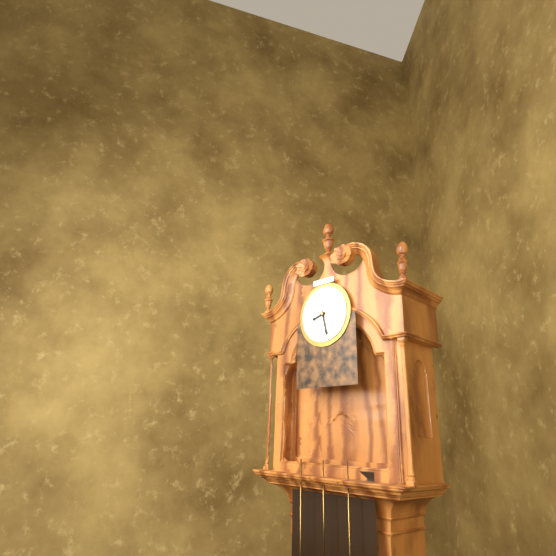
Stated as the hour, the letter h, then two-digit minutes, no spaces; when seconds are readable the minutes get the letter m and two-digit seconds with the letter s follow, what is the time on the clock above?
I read 8h28
